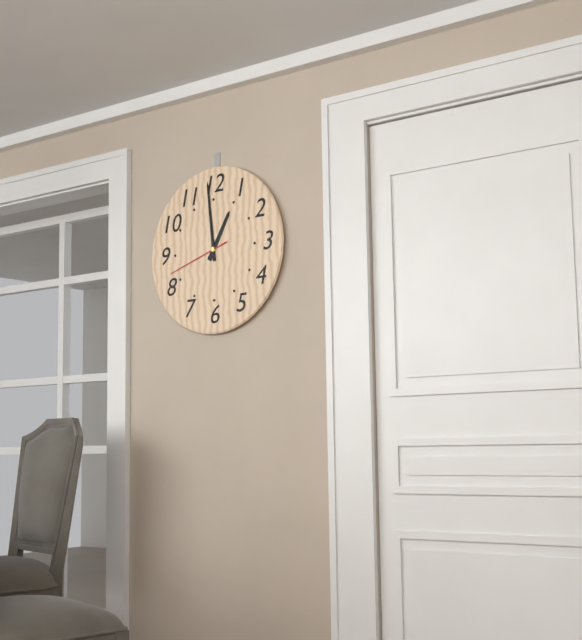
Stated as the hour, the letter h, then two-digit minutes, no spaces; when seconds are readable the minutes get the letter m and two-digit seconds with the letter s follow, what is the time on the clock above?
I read 12h59m42s
